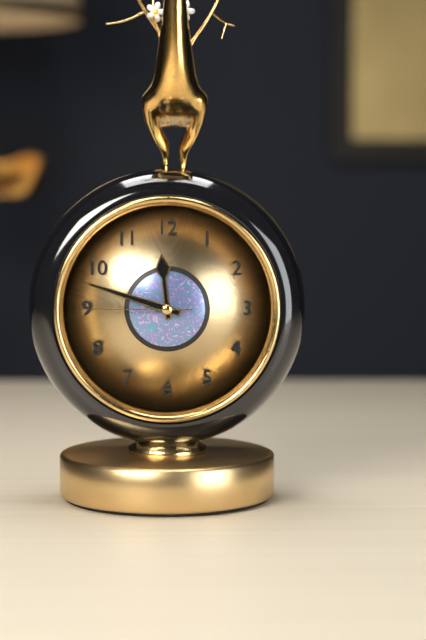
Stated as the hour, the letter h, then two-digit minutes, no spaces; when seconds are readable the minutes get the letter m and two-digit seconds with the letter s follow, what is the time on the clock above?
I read 11h48m45s
